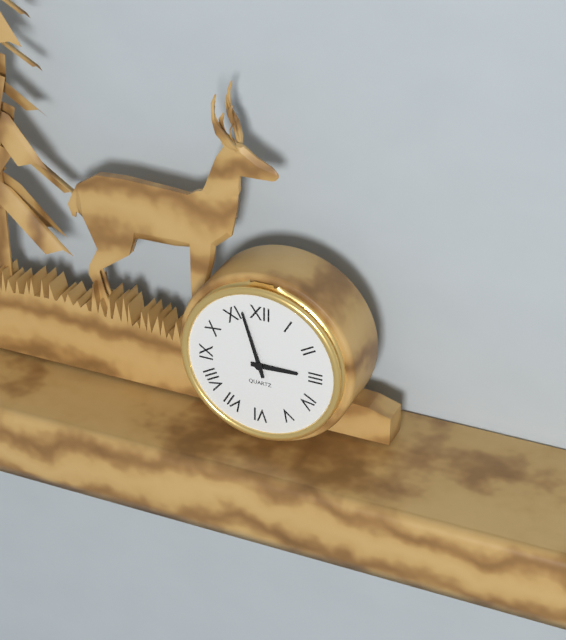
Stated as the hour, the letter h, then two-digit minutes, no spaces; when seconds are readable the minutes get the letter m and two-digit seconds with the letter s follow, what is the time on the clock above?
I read 2h57
